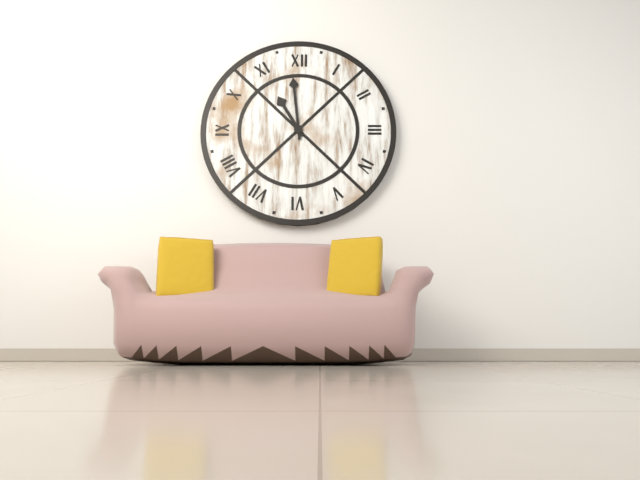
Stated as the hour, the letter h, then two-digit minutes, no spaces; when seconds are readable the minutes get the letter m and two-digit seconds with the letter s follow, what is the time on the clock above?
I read 10h59
